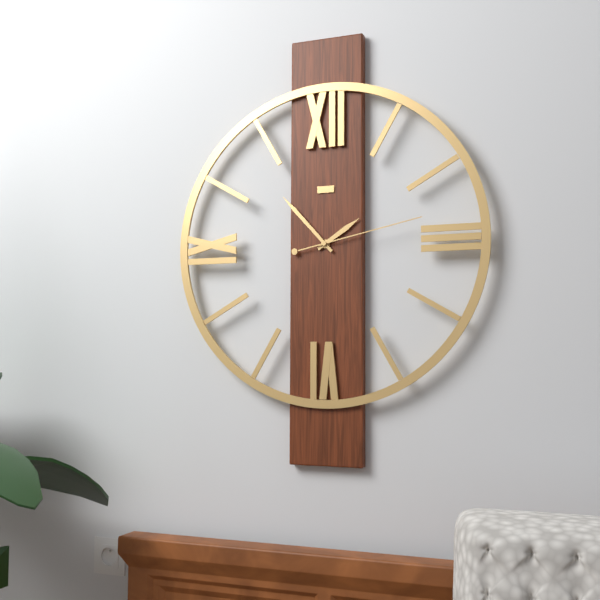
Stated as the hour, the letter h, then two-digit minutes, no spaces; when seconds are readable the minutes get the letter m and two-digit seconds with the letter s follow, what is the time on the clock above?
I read 1h53m13s
